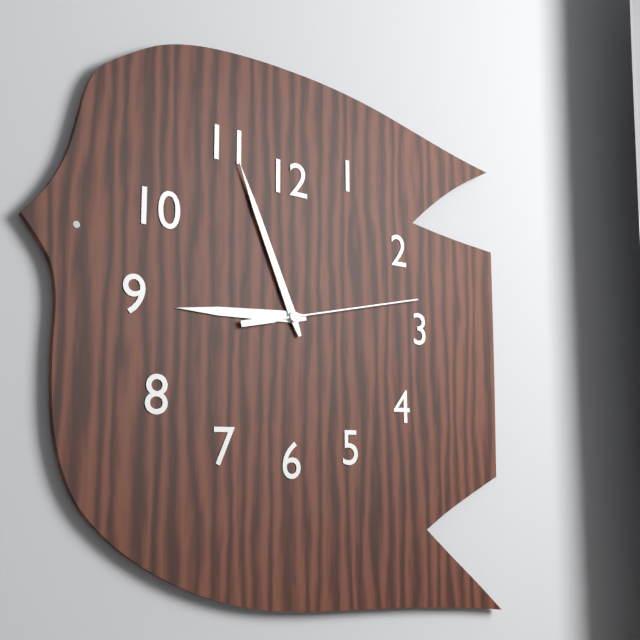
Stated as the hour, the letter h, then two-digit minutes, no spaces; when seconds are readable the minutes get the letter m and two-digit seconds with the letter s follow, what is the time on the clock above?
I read 8h56m13s
